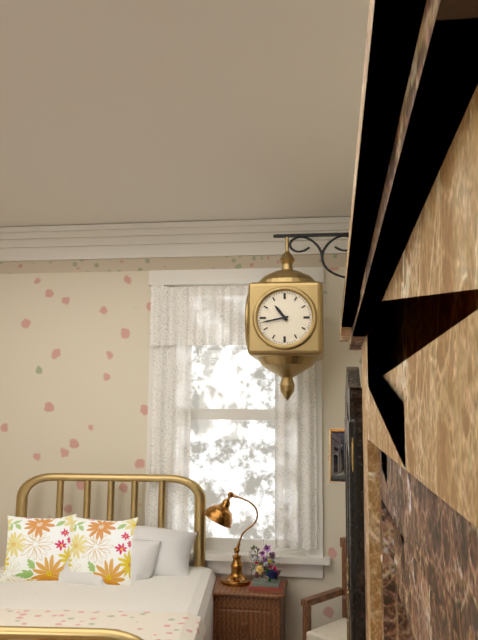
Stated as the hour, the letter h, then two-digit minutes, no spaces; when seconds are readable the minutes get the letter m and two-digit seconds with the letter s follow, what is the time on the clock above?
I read 10h43
